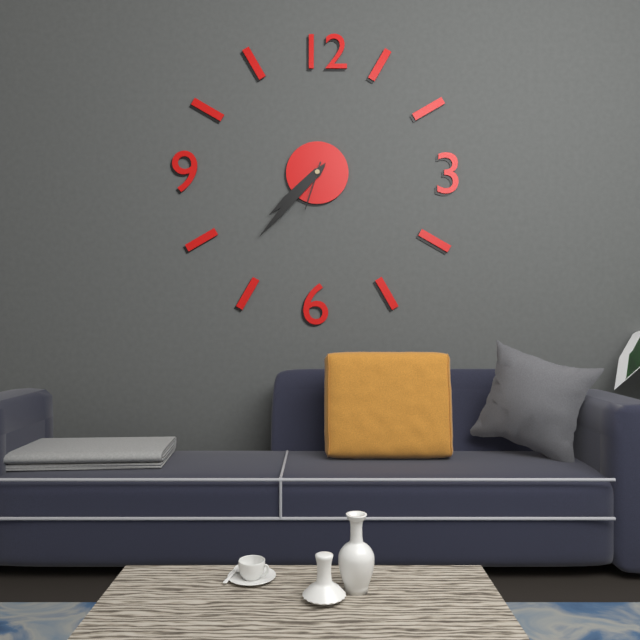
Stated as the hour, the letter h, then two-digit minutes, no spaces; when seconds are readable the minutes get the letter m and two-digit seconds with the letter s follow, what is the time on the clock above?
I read 7h37
